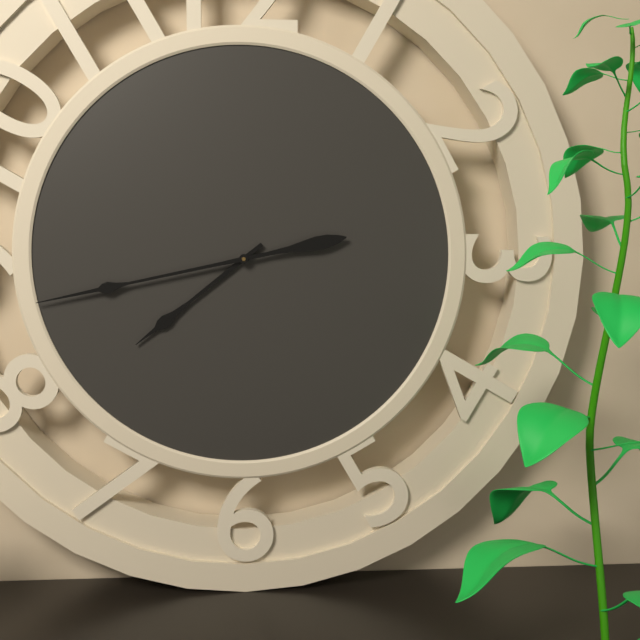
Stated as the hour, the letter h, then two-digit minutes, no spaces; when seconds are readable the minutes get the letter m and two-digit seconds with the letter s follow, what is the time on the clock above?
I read 7h43
